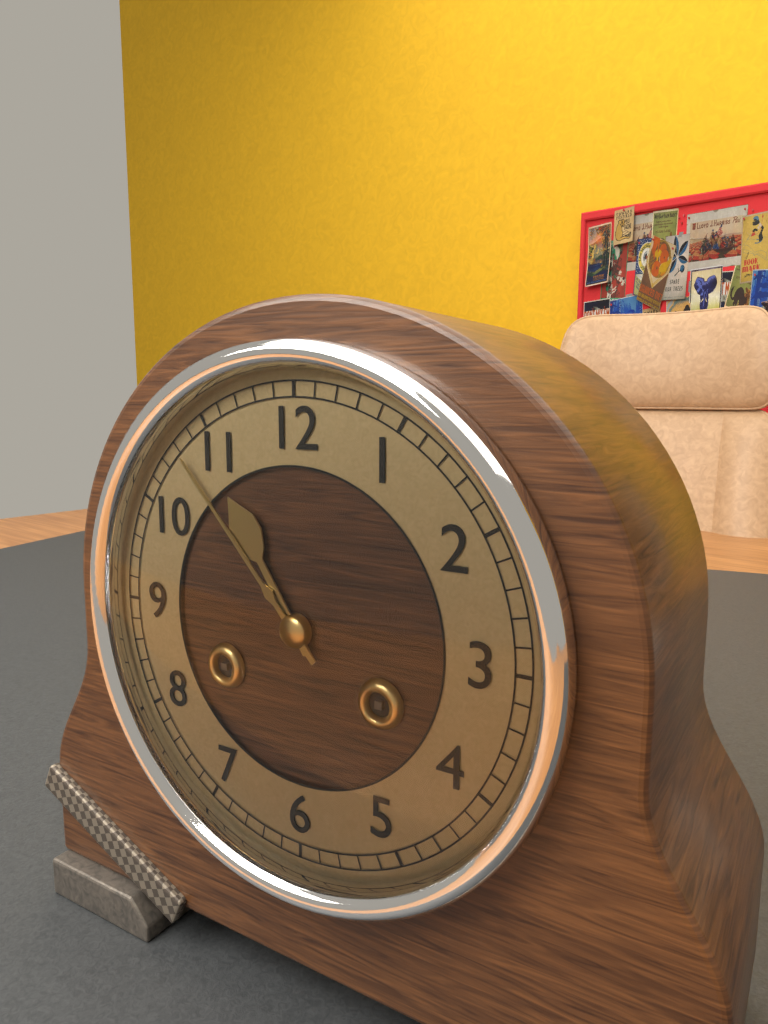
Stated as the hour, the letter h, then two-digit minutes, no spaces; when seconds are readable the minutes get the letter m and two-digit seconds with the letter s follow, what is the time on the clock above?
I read 10h53
